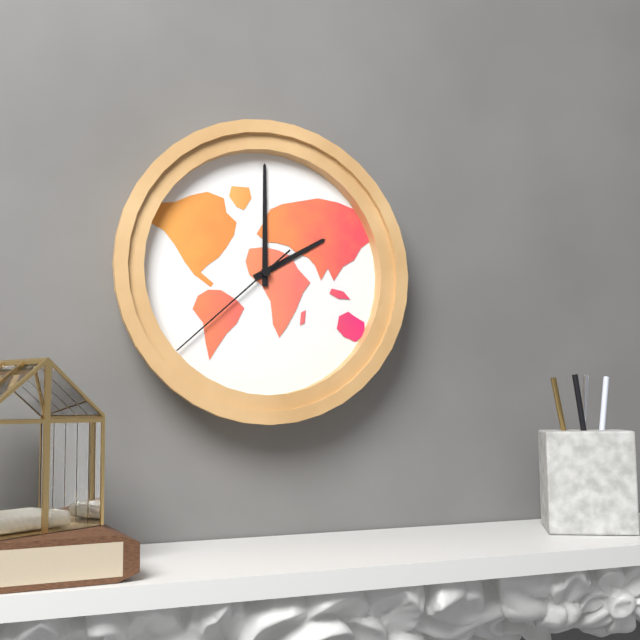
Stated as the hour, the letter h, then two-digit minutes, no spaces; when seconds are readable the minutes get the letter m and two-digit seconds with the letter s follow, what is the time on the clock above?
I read 2h00m38s
